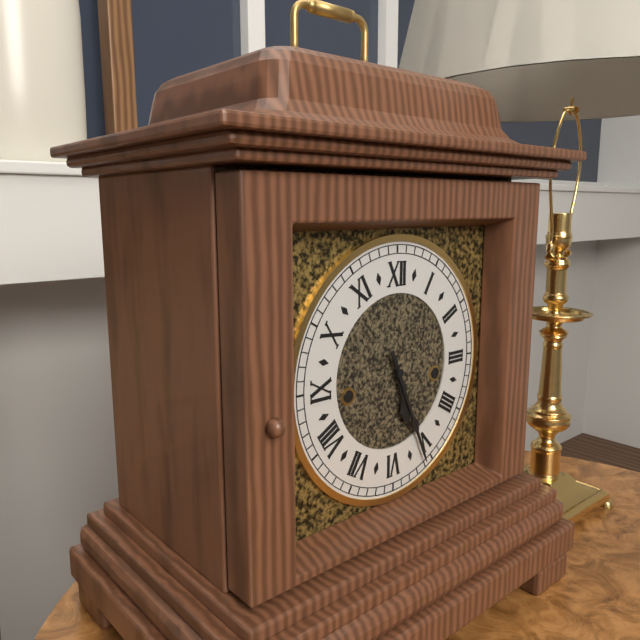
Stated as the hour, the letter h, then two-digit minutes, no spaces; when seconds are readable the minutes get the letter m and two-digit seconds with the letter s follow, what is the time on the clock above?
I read 5h26
